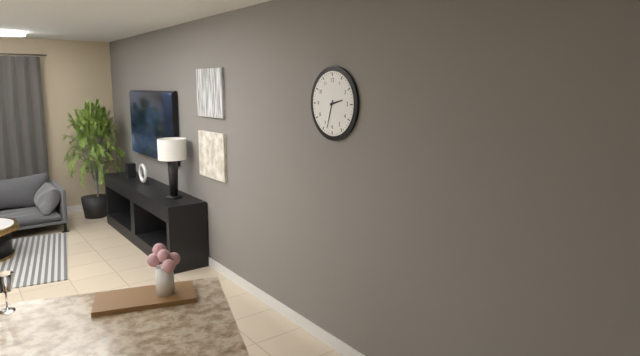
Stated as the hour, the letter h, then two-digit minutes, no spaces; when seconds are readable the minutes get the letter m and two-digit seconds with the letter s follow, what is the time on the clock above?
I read 2h33
